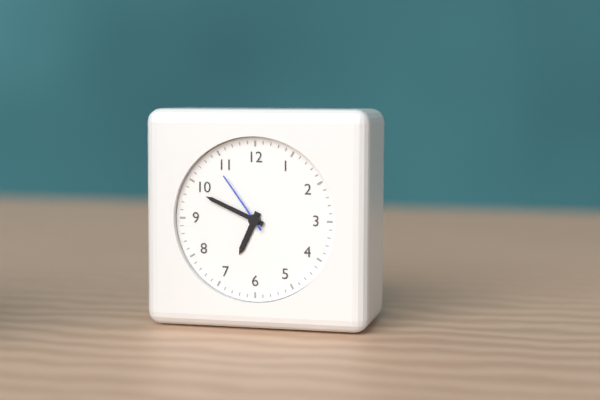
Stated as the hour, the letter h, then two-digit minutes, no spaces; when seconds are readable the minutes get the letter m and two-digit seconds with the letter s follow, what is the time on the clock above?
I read 6h49m54s
